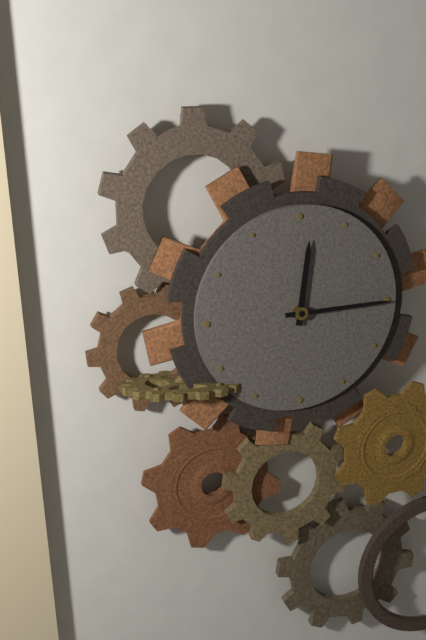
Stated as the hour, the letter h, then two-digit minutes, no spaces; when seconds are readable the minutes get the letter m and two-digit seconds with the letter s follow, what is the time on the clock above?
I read 12h15
